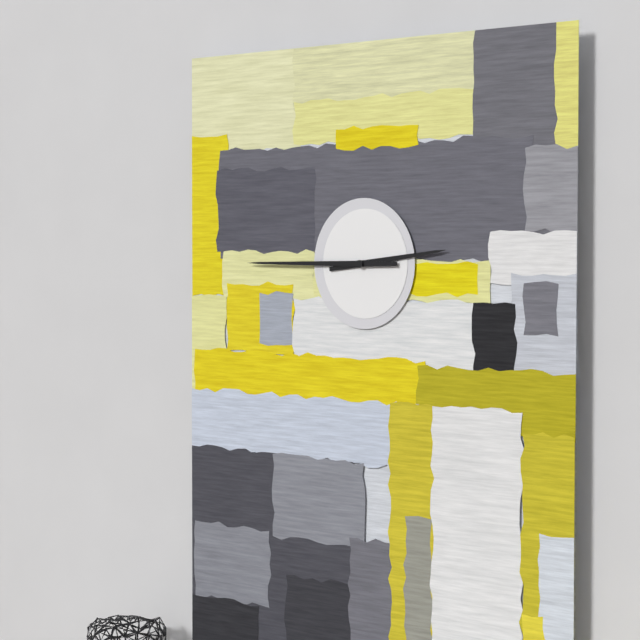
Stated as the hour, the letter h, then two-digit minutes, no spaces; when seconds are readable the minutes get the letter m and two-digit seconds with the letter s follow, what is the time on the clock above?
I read 2h45
